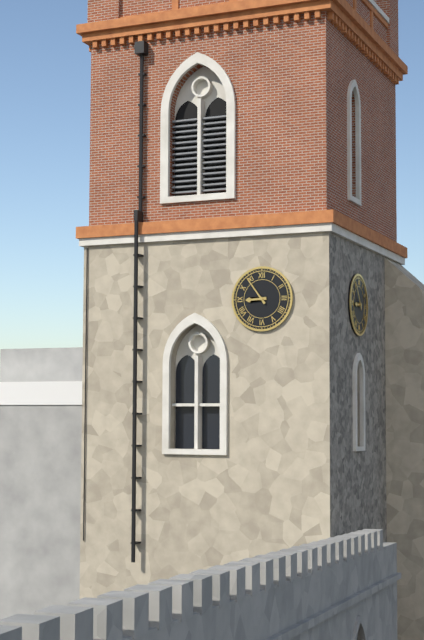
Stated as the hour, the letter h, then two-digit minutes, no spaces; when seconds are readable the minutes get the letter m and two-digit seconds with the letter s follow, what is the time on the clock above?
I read 8h54
